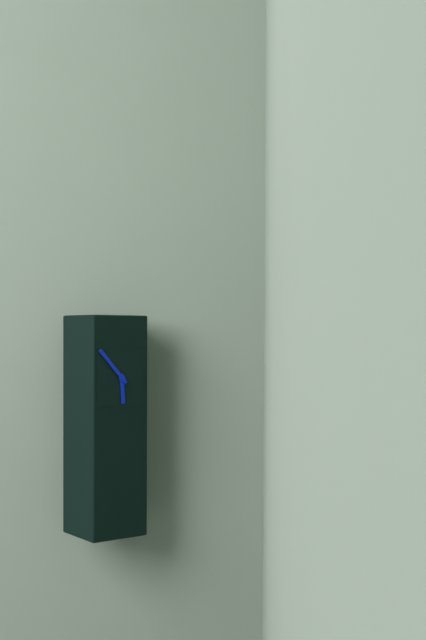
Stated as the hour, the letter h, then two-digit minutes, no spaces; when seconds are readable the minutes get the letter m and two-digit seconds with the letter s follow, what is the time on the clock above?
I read 5h53
